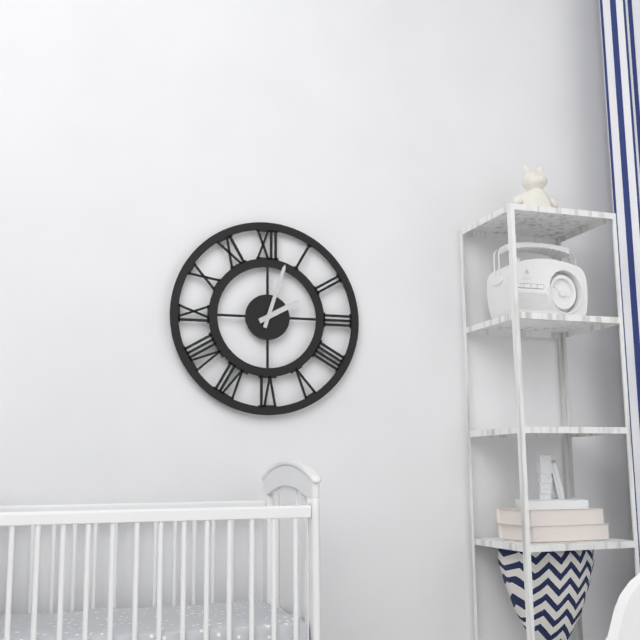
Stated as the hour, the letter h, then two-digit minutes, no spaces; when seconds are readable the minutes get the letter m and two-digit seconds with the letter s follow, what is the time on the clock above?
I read 2h03
